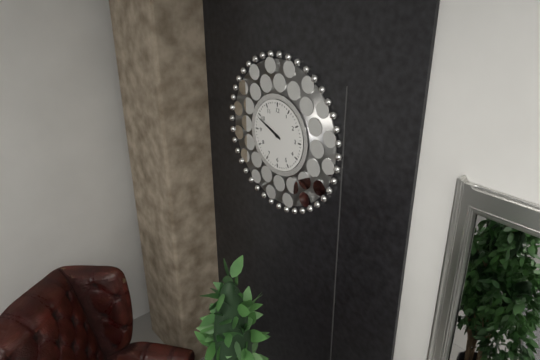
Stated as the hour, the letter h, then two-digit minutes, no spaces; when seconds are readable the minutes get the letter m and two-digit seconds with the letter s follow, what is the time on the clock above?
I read 9h49
